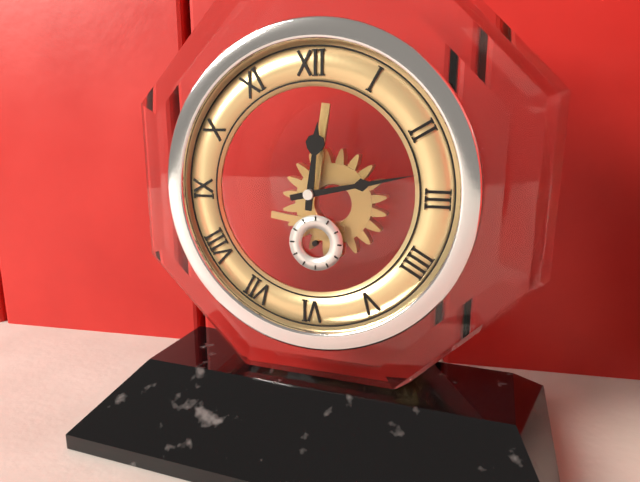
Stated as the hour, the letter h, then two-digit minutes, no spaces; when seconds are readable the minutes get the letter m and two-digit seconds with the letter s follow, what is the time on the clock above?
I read 12h13
